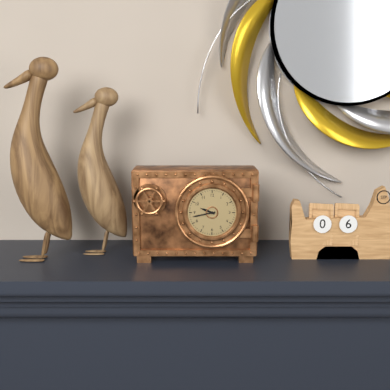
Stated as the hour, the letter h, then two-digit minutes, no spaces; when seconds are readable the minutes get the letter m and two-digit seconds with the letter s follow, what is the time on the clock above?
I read 9h43
